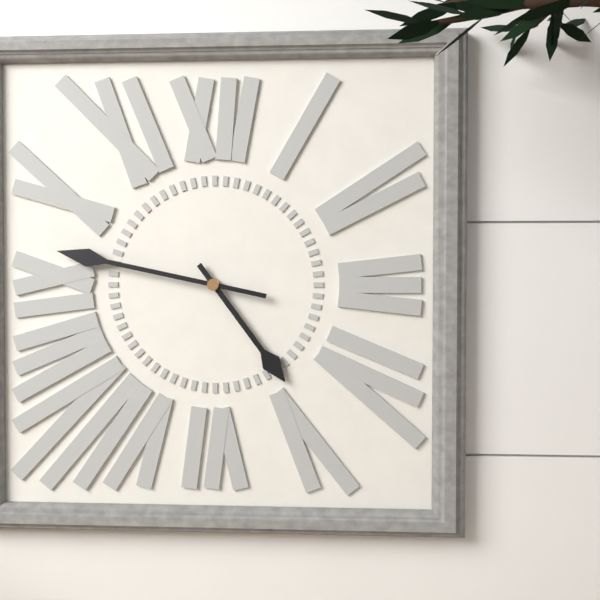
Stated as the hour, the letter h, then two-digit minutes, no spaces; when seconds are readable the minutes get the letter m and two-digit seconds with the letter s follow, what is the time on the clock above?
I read 4h47
